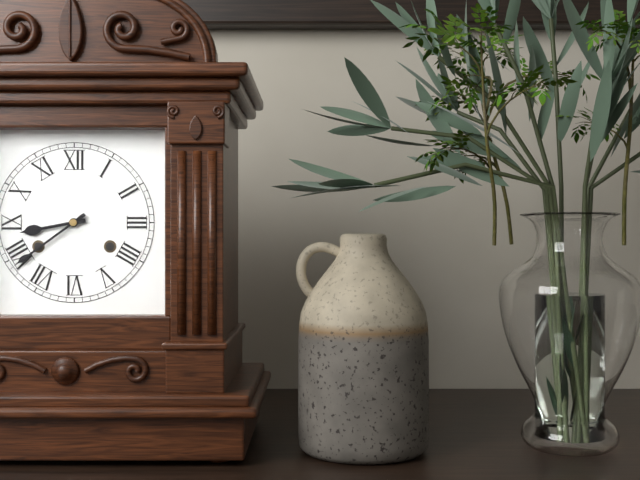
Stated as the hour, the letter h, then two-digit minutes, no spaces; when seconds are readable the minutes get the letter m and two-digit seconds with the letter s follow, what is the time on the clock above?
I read 8h39
